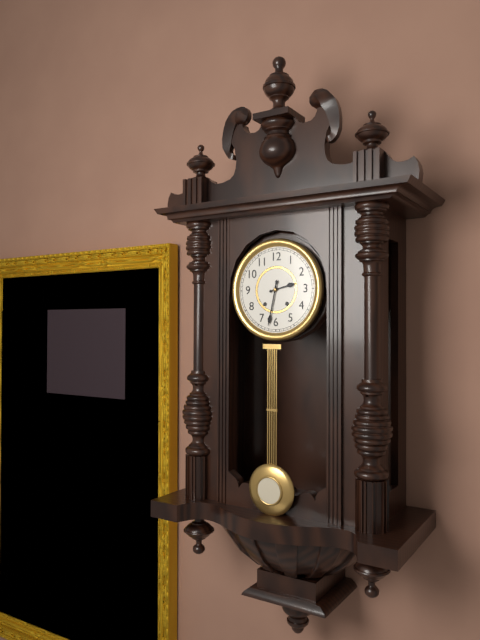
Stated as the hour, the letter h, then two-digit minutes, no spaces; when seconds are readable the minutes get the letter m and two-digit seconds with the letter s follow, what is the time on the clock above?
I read 2h32
